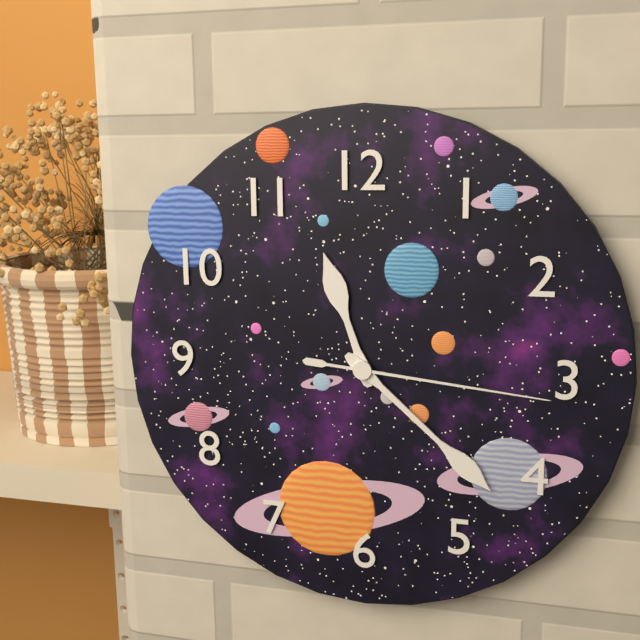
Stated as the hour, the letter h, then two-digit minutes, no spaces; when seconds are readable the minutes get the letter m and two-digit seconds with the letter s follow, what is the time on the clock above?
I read 11h22m16s
